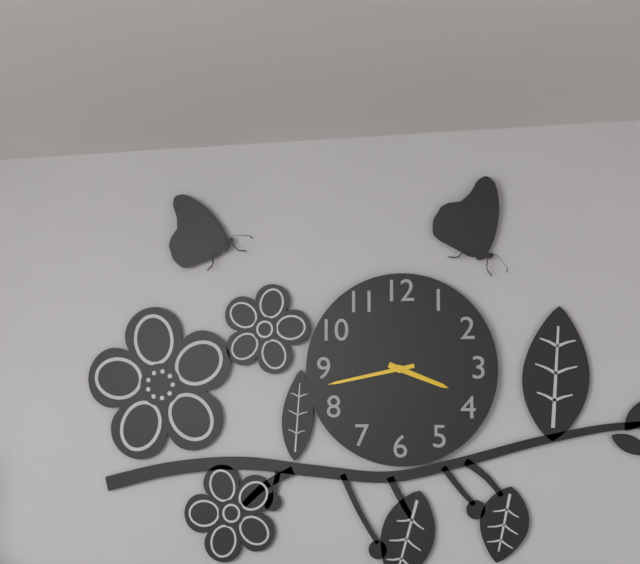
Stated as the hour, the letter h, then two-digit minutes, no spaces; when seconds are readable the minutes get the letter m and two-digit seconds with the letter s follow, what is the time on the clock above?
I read 3h43
